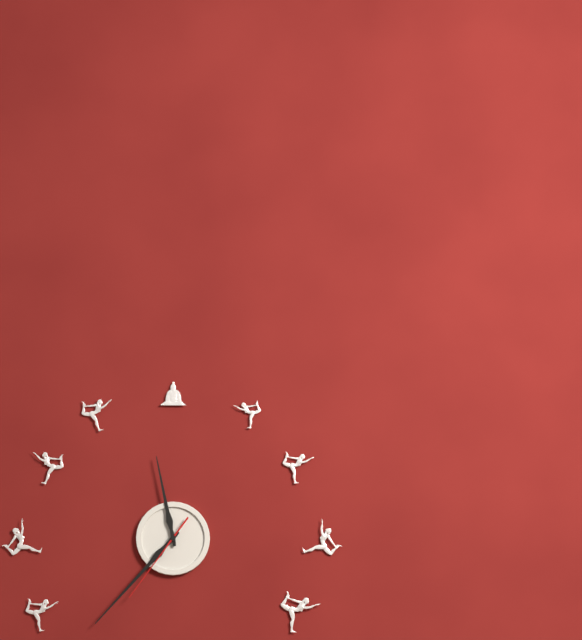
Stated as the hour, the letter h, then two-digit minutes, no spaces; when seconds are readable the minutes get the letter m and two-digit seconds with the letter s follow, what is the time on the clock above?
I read 11h37m36s
